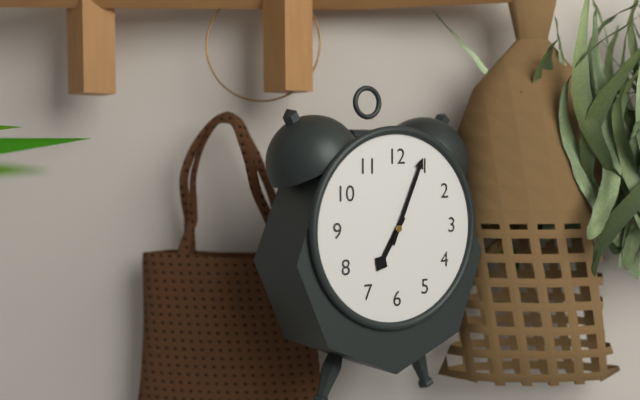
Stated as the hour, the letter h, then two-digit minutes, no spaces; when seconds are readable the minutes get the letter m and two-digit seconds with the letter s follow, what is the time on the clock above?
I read 7h04
